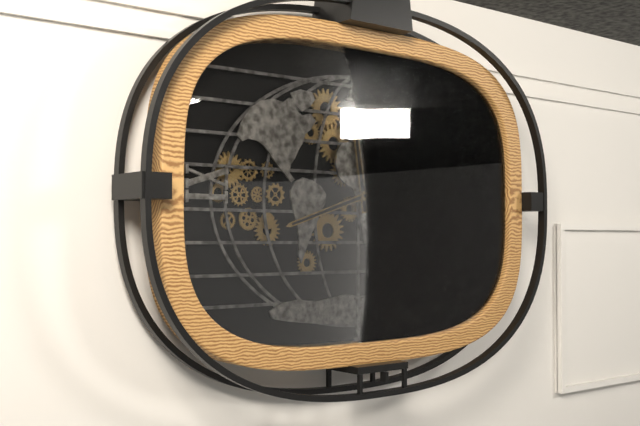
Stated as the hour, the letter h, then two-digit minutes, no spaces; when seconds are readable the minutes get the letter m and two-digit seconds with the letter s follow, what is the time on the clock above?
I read 11h42
